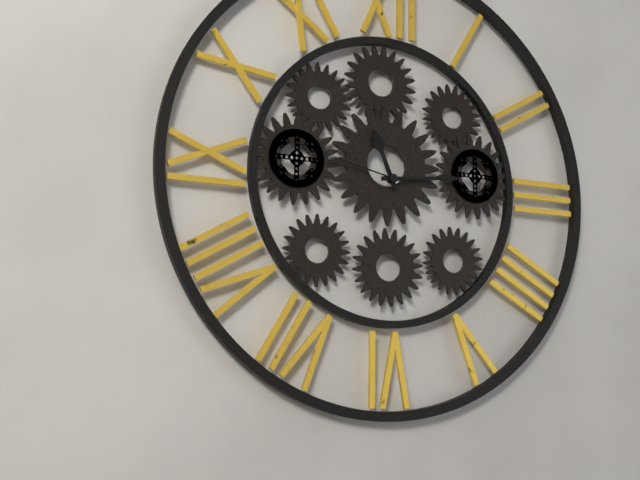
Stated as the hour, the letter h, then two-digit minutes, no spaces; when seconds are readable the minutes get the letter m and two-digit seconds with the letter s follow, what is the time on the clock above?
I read 11h14m47s
